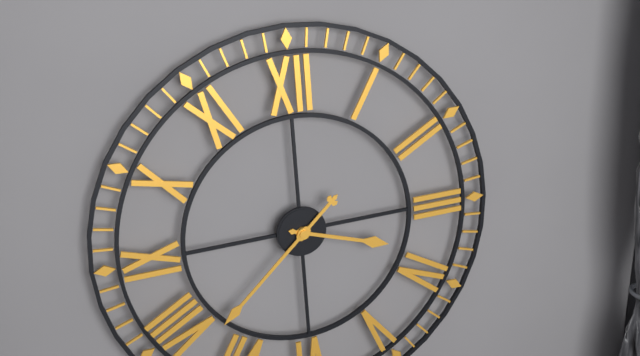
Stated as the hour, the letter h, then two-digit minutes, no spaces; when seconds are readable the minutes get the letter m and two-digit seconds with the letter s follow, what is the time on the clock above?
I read 3h38
